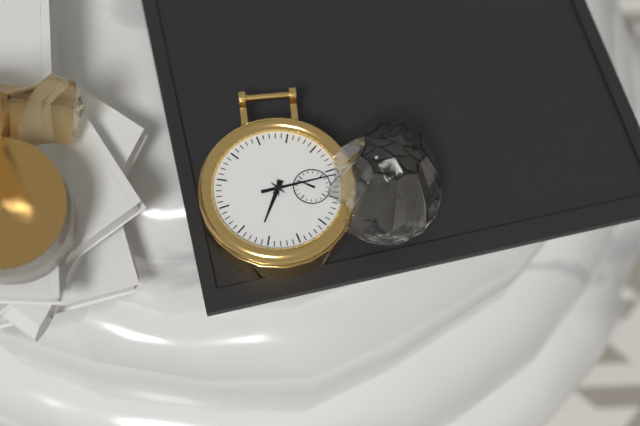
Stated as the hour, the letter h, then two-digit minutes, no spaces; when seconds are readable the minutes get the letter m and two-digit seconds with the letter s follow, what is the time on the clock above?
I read 8h21
